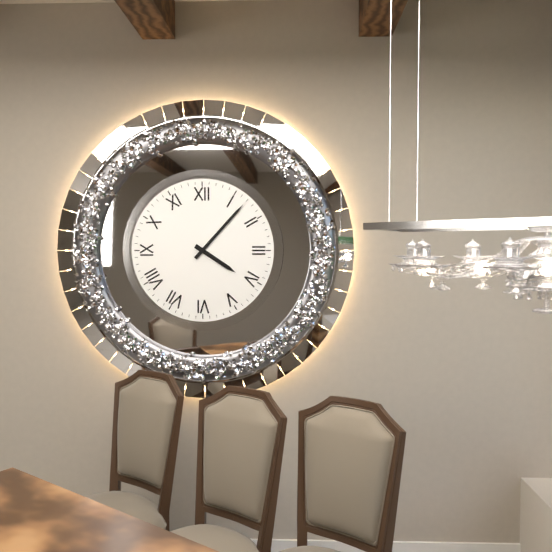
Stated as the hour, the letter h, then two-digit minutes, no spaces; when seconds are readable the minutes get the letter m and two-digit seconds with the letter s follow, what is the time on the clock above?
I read 4h07
